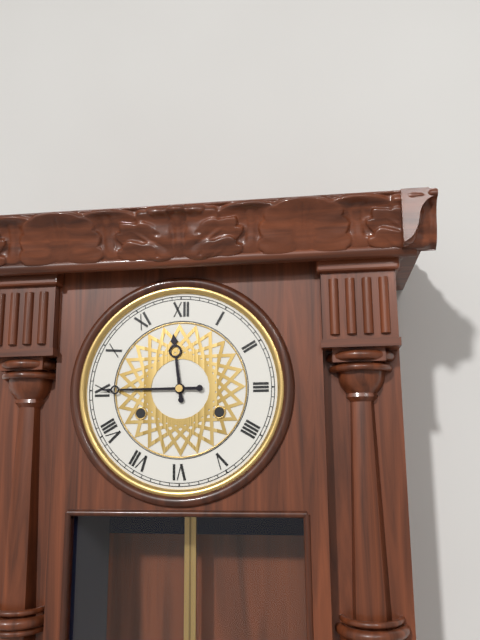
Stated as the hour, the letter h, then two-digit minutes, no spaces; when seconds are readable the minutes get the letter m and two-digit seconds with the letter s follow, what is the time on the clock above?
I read 11h45
